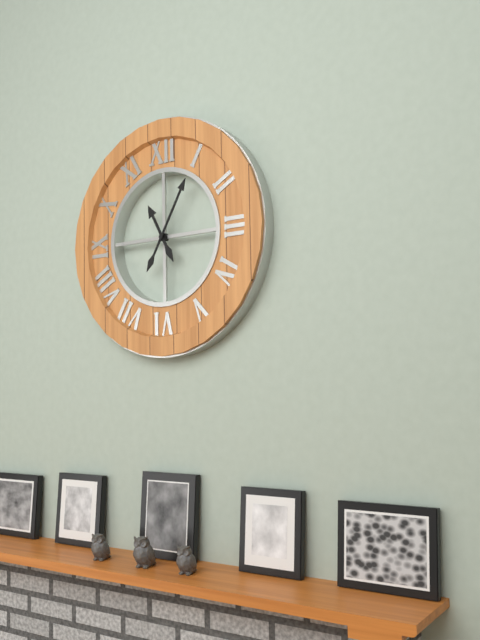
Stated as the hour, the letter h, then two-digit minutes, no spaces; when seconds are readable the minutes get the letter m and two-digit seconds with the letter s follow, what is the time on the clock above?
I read 11h05
